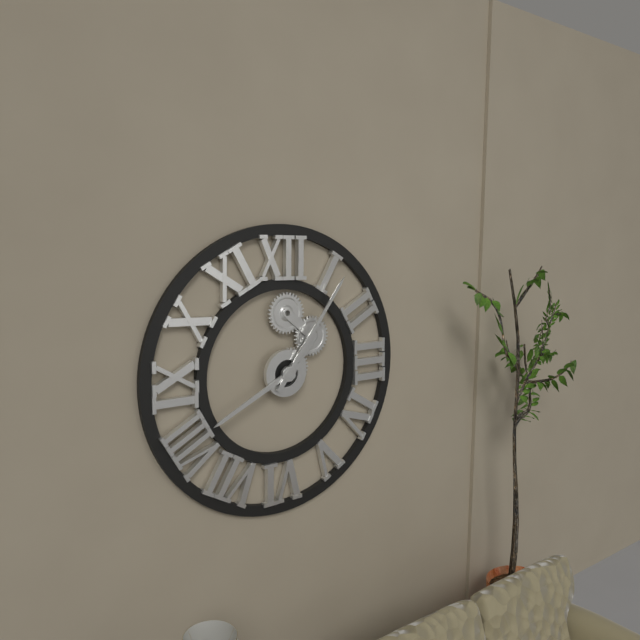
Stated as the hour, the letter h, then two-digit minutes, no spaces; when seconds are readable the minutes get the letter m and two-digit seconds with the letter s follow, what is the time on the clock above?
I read 8h06
